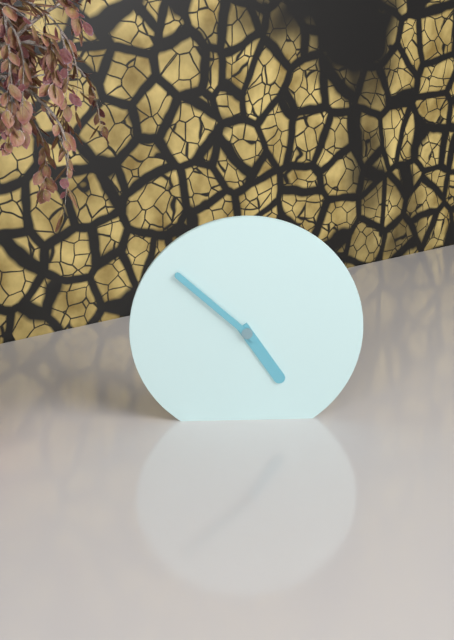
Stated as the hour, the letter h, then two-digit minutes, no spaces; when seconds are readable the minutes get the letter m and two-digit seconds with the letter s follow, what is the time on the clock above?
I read 4h52
